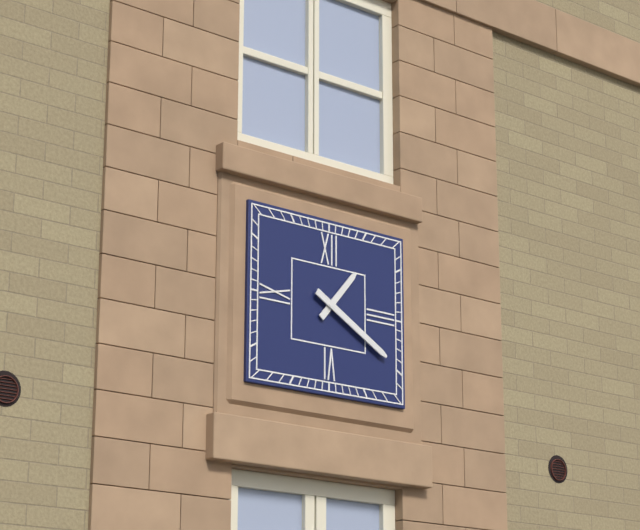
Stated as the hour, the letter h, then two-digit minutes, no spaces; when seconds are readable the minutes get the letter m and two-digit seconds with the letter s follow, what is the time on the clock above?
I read 1h20
